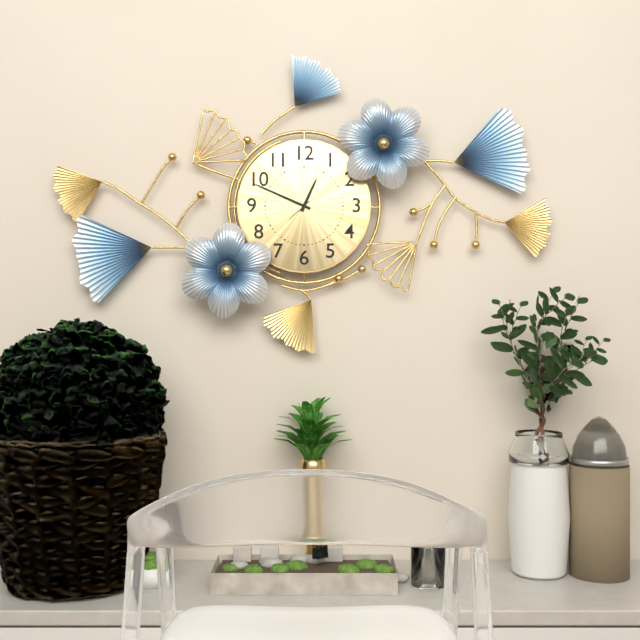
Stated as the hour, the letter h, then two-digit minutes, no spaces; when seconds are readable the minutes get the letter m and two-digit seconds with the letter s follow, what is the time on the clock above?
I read 12h49
